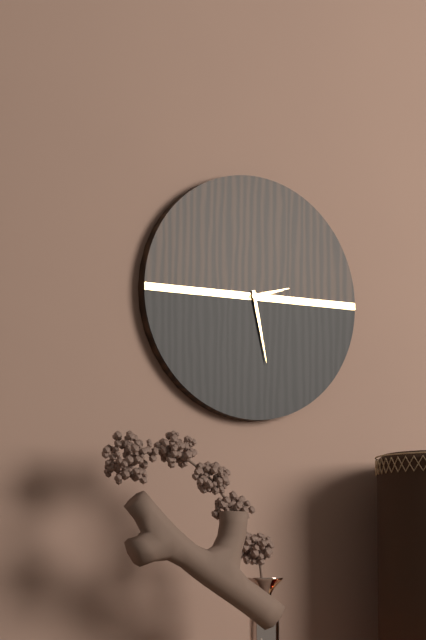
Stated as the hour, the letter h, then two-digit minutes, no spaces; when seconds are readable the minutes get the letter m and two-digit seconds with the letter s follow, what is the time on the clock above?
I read 2h28
